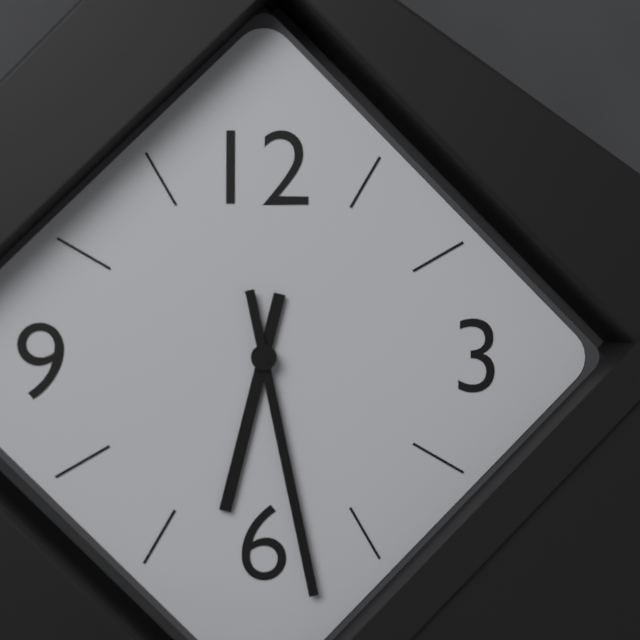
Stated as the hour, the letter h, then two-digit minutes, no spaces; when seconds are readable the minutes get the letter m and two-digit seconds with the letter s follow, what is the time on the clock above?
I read 6h28
